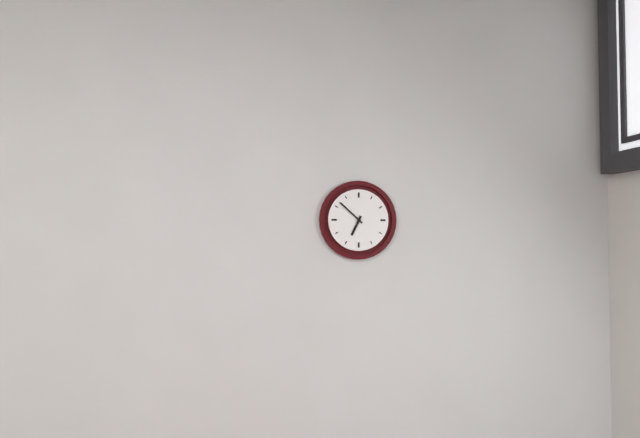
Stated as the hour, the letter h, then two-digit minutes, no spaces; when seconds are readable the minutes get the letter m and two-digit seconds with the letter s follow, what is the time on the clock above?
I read 6h52
